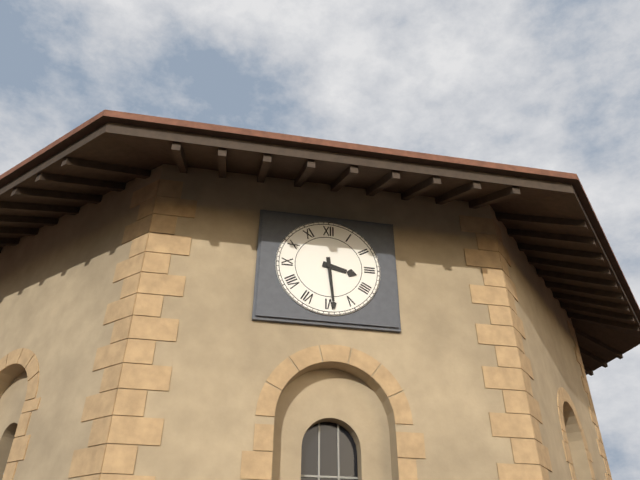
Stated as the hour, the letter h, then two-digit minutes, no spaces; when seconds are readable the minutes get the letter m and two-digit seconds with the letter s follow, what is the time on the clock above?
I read 3h29
